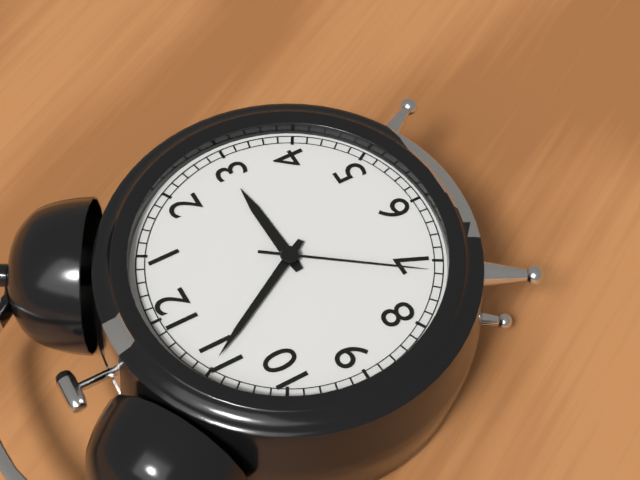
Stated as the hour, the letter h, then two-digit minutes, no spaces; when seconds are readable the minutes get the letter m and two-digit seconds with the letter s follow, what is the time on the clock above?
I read 2h55m36s
